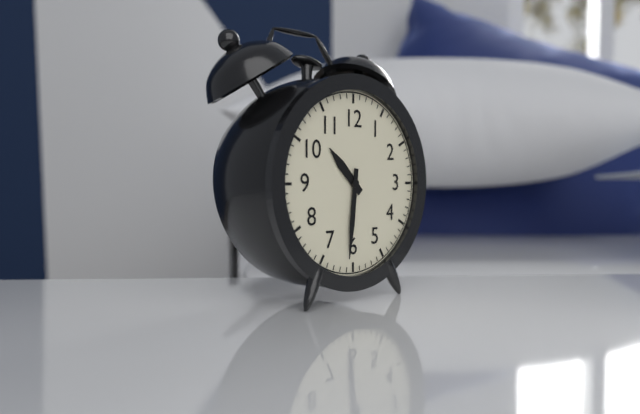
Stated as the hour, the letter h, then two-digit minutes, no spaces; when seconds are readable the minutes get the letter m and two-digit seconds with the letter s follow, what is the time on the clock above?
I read 10h31
